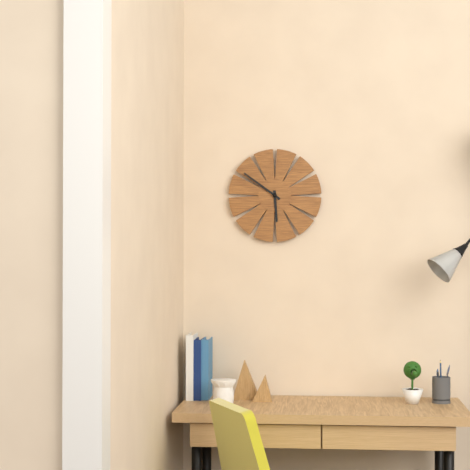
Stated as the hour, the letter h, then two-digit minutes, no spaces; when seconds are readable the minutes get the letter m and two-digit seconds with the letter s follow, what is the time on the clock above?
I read 5h51
